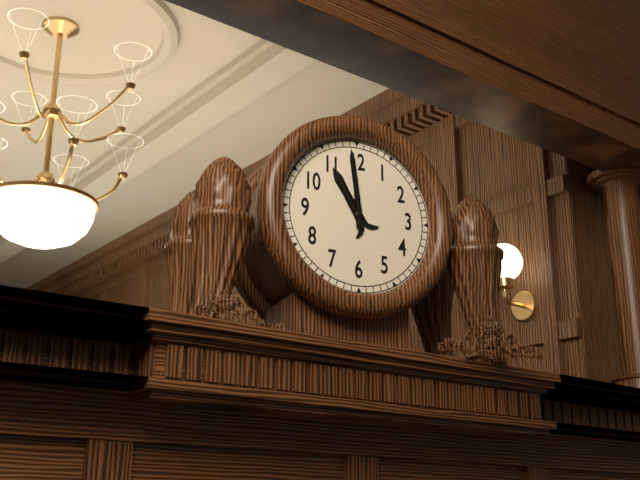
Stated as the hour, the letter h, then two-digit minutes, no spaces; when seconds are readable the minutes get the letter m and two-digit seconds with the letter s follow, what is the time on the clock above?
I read 10h59
